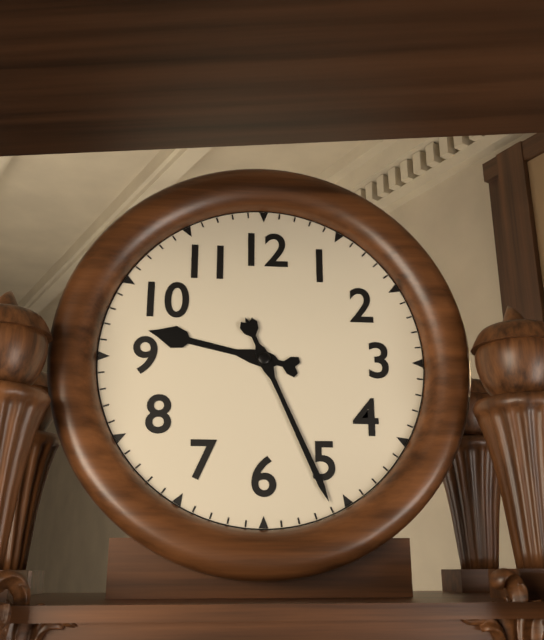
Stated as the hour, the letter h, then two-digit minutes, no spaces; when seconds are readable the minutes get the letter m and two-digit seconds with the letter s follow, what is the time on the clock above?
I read 9h26
